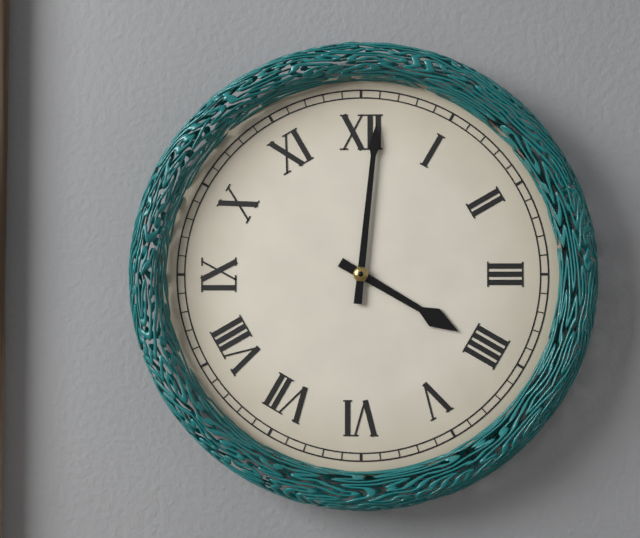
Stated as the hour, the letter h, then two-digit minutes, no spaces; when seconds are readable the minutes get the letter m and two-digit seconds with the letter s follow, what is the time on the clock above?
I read 4h01
